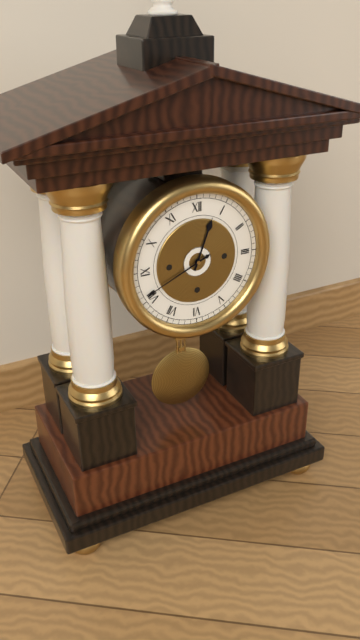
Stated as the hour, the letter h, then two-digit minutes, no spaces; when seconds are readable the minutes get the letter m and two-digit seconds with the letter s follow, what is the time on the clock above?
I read 12h41
